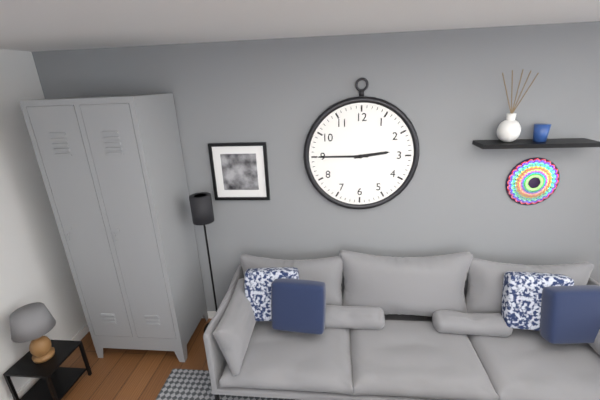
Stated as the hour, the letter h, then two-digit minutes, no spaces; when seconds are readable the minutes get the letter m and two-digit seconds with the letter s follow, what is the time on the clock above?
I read 2h45
